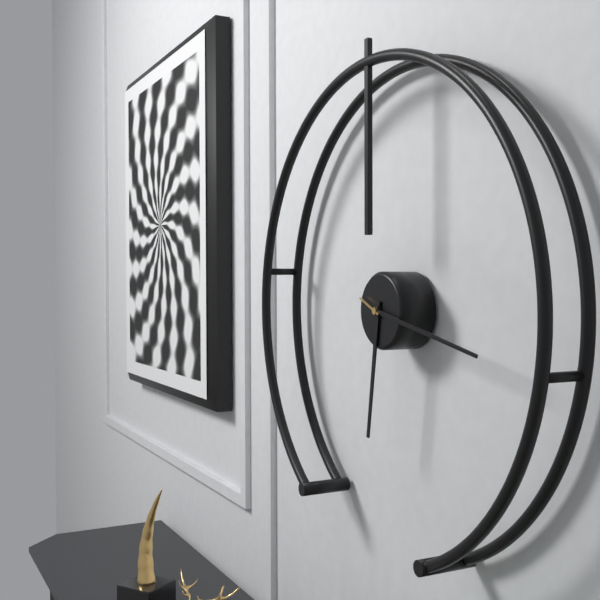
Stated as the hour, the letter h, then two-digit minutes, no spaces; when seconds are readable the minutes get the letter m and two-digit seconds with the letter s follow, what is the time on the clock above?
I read 6h17
